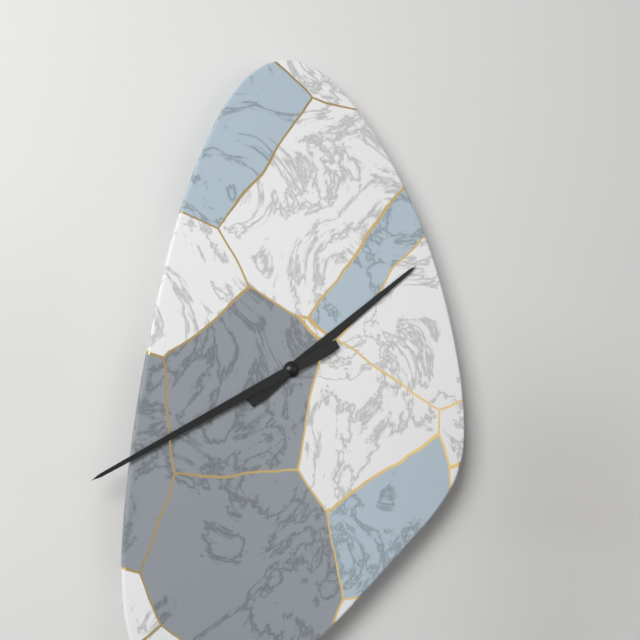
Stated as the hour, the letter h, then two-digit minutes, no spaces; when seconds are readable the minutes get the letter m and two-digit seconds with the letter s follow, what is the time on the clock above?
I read 1h40
